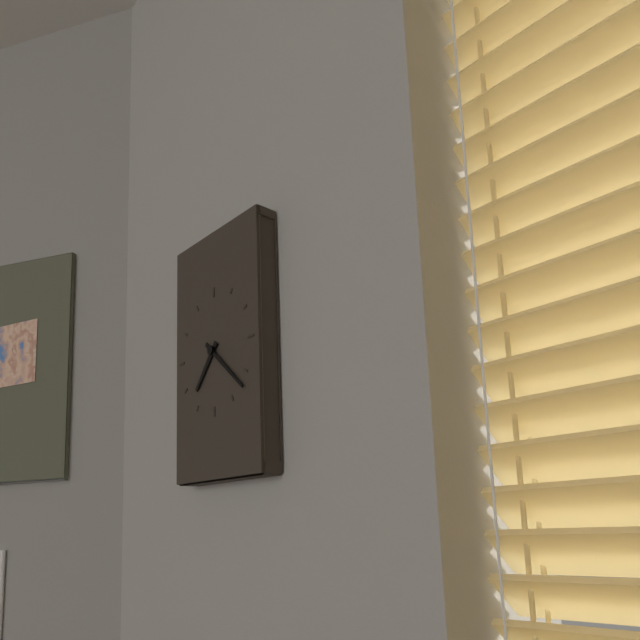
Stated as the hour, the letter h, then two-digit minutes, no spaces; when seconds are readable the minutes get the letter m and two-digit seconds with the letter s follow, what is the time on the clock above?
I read 7h22
